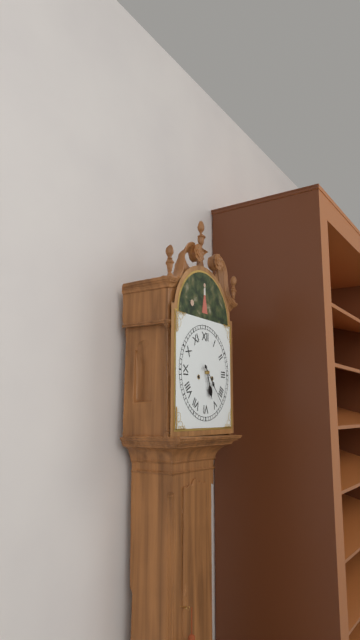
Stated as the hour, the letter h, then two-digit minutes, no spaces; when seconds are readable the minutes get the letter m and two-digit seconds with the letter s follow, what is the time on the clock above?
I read 5h23
